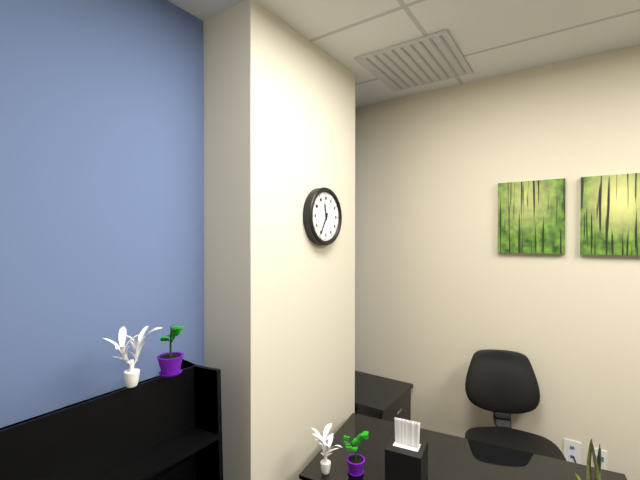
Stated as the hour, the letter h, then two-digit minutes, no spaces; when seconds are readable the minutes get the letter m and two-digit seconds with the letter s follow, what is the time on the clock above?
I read 11h35
